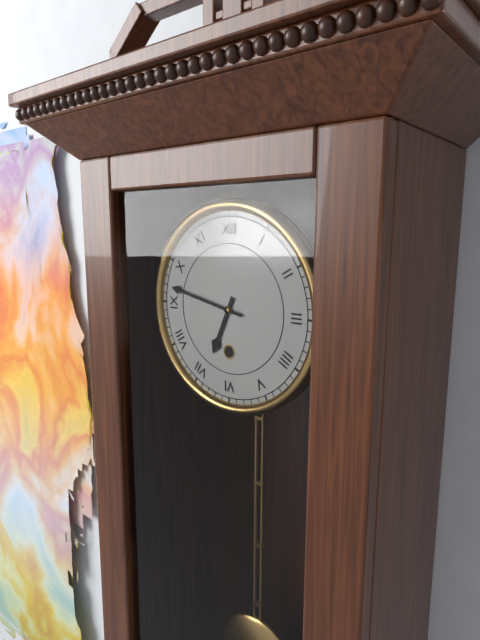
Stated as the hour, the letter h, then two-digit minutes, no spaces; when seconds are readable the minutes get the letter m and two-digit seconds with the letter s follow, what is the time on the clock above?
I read 6h47
